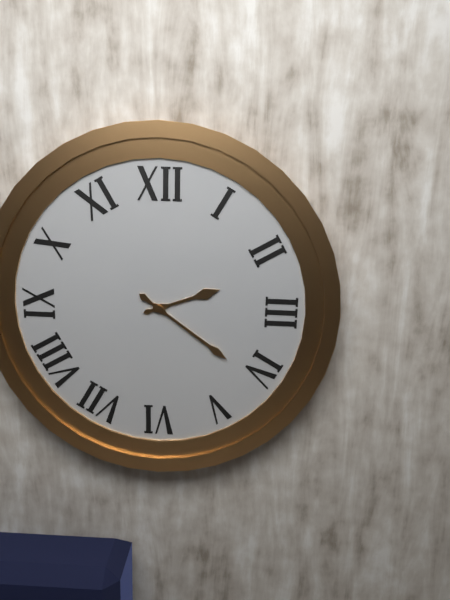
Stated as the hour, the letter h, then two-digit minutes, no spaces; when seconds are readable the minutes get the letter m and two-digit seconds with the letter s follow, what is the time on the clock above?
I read 2h21
